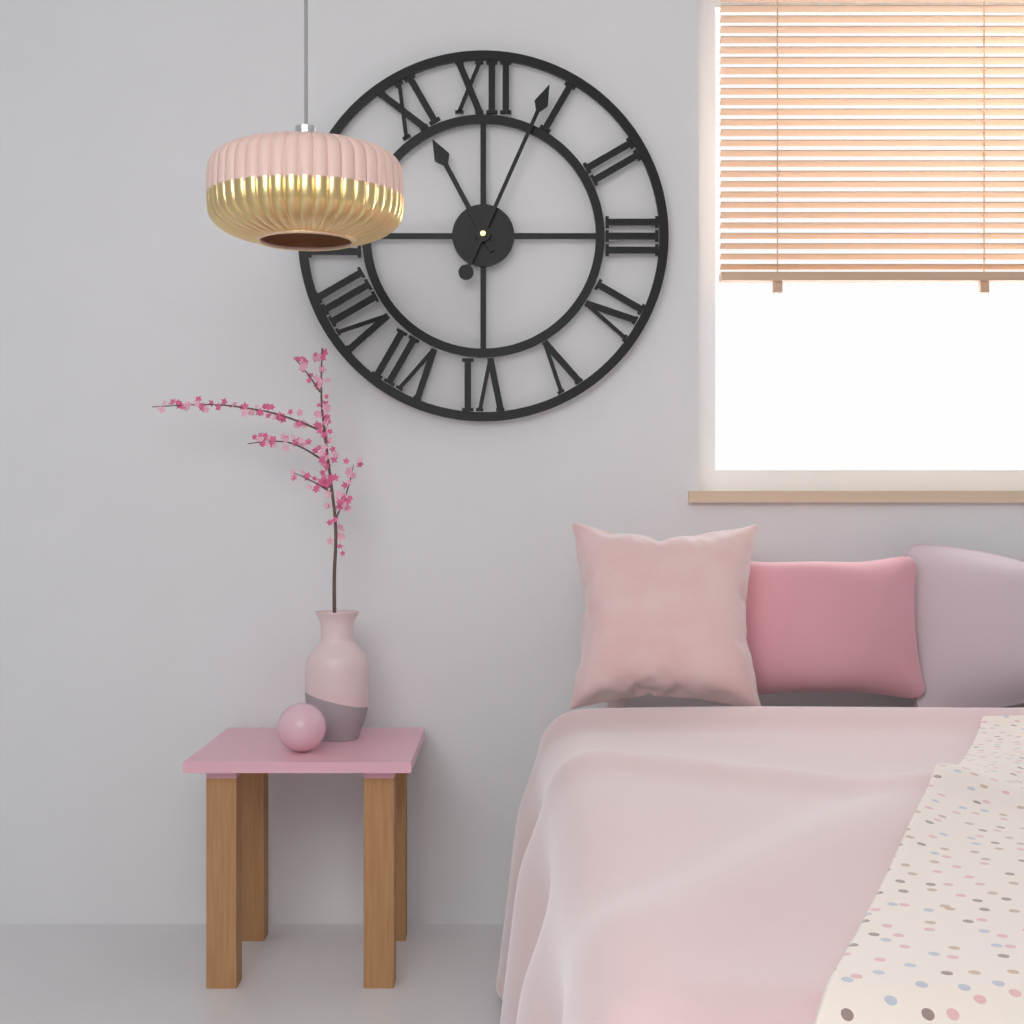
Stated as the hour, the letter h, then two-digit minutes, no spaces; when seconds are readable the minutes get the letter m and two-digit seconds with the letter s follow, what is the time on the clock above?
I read 11h04
